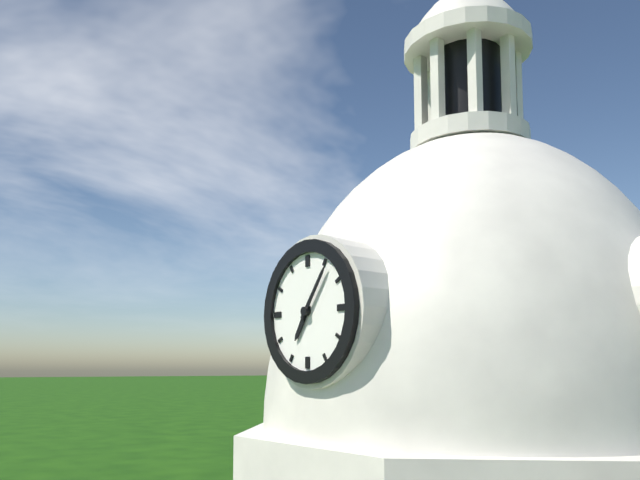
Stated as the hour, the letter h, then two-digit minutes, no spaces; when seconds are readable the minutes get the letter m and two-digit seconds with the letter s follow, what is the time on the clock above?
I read 7h06
